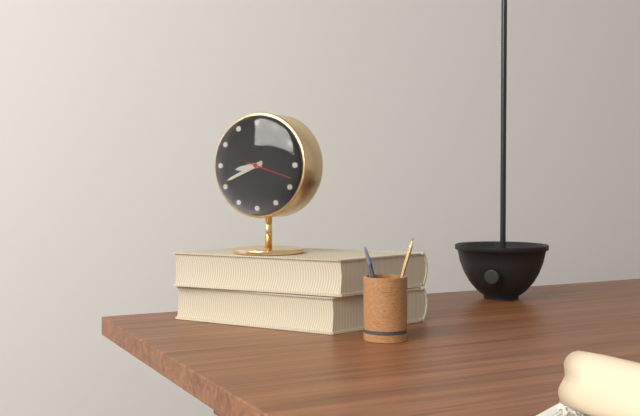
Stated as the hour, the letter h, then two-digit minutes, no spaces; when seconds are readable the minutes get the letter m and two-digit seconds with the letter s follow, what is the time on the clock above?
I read 8h41
